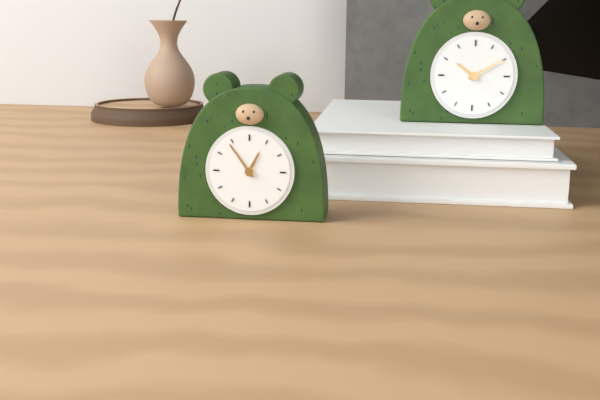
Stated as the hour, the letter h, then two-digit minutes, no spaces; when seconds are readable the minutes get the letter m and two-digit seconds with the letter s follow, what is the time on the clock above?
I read 12h54
